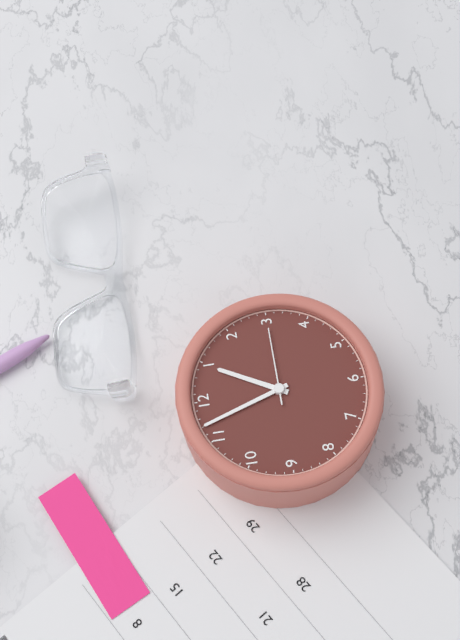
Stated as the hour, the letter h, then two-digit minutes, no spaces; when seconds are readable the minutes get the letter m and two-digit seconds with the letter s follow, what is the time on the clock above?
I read 12h57m15s
